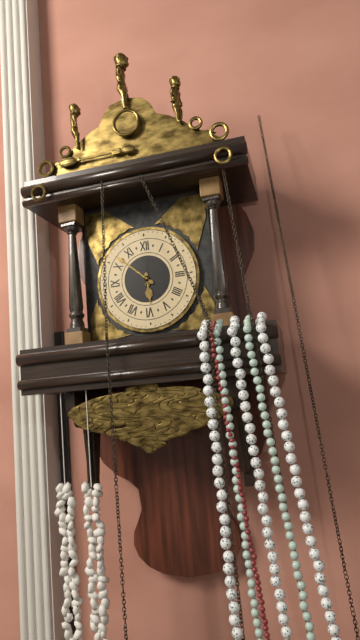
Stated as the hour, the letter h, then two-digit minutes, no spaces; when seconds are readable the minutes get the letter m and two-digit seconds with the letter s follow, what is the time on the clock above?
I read 5h52
